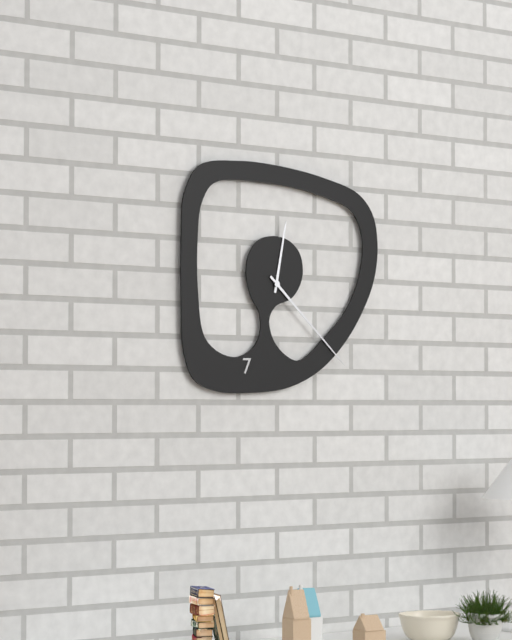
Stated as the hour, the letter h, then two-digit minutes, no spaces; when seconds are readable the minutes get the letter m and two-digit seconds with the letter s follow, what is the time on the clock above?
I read 12h22
